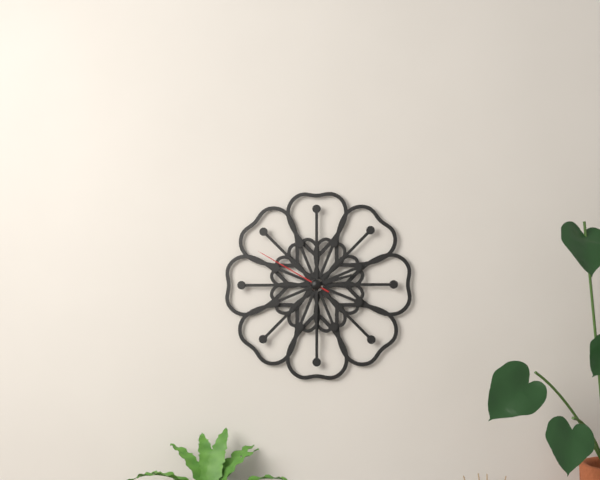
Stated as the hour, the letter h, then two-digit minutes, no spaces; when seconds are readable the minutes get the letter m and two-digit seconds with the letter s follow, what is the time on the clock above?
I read 2h30m50s
